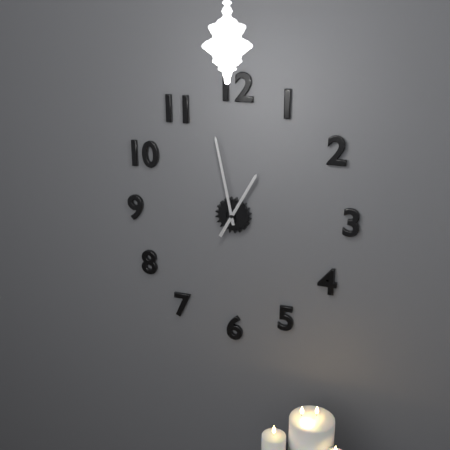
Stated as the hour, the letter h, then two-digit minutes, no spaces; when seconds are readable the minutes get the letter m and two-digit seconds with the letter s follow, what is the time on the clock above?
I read 12h58
